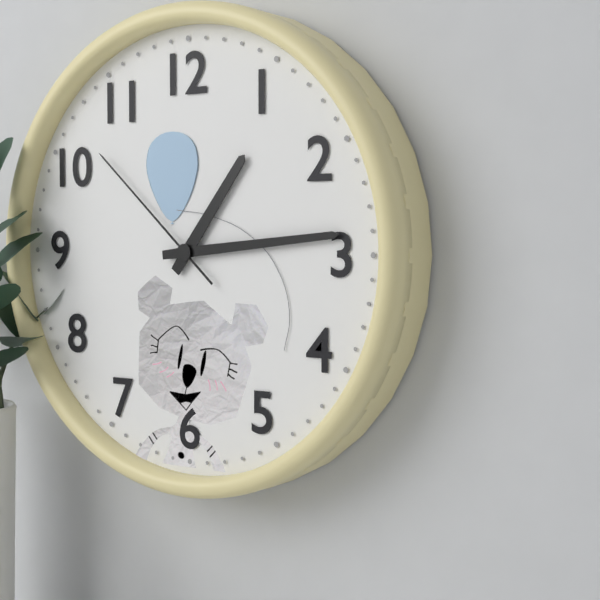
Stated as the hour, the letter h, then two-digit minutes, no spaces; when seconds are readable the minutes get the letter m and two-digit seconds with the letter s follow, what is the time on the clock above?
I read 1h14m52s
